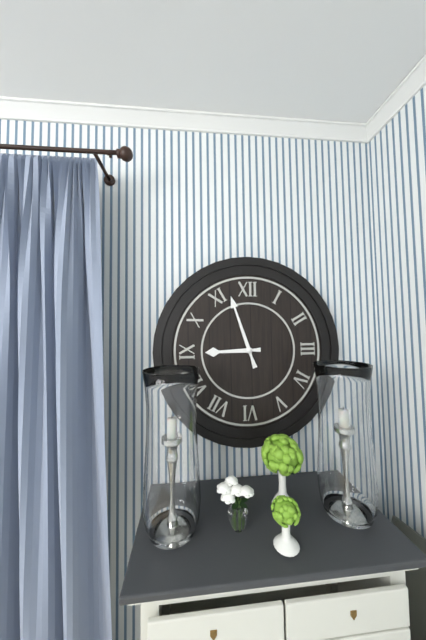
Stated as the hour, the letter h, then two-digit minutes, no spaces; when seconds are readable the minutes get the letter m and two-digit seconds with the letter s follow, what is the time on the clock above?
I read 8h57
